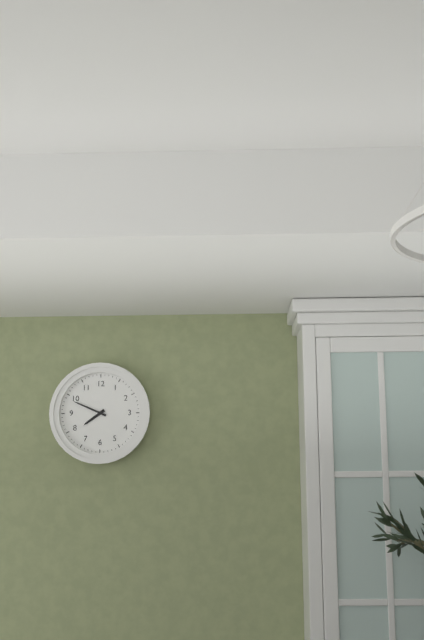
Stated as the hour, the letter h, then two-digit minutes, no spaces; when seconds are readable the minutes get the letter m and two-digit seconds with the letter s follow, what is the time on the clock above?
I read 7h49
